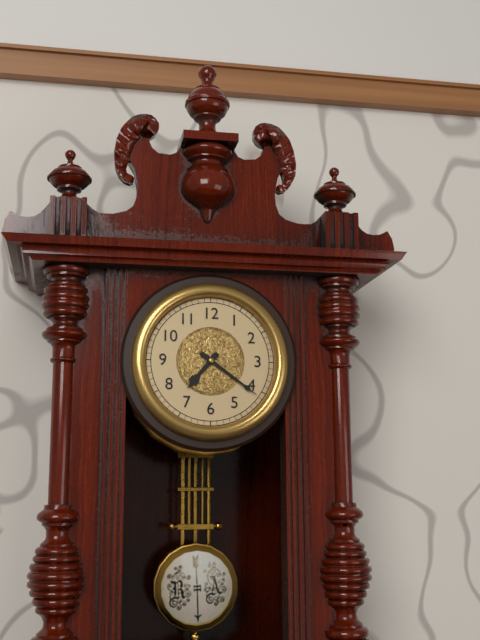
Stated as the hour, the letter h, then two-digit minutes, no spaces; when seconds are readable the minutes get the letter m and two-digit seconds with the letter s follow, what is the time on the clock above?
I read 7h21
